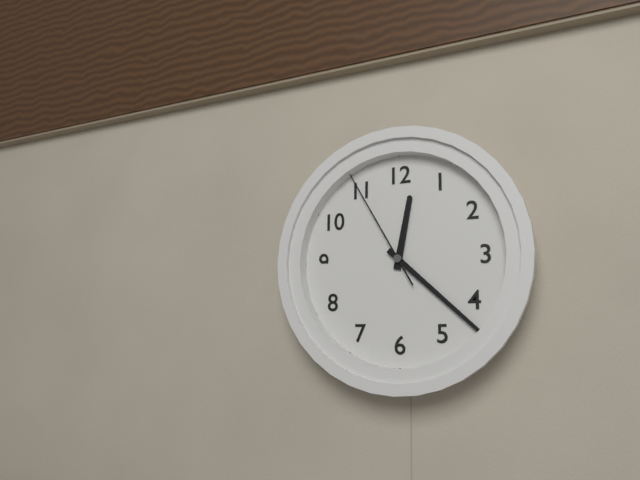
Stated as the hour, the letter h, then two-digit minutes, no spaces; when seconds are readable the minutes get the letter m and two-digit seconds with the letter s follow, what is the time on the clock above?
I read 12h22m55s
